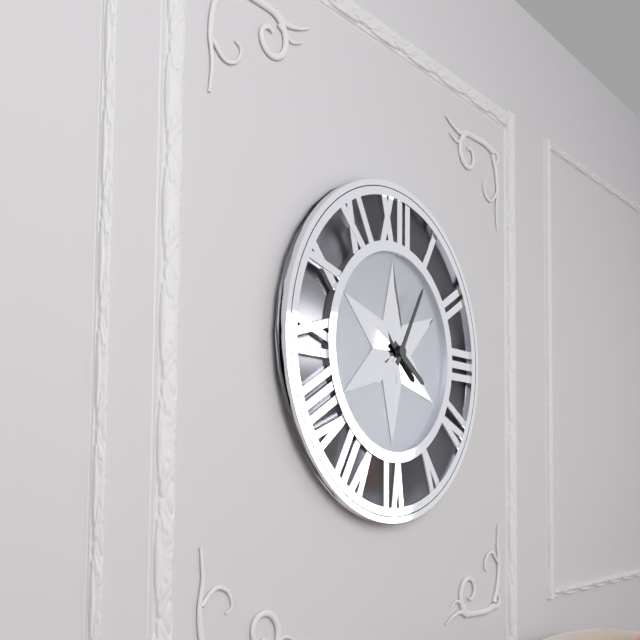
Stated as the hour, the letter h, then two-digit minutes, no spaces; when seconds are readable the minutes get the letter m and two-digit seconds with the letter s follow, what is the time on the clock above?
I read 4h05
